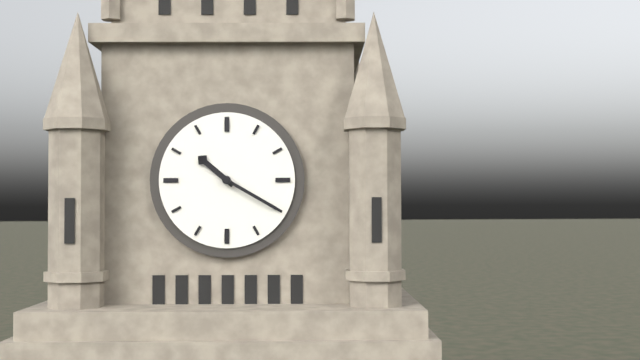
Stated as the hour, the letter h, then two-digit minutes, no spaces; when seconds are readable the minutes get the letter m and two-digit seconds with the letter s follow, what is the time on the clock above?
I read 10h20
